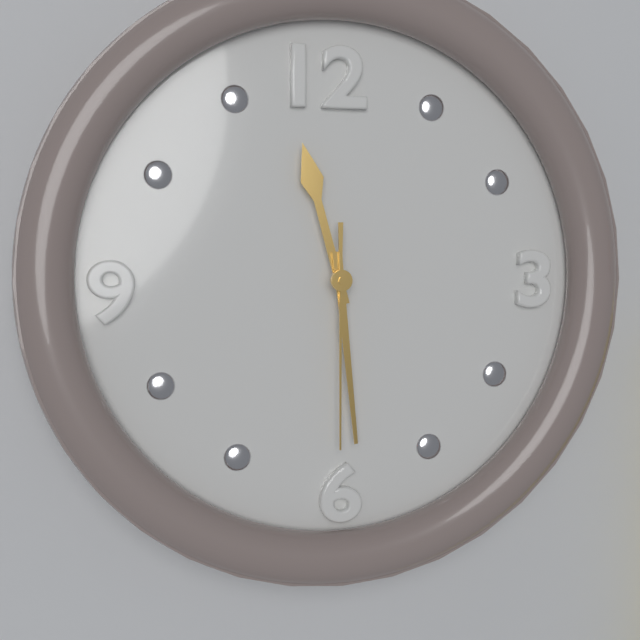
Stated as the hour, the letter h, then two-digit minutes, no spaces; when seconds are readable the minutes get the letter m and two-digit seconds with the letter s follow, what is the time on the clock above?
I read 11h29m30s
